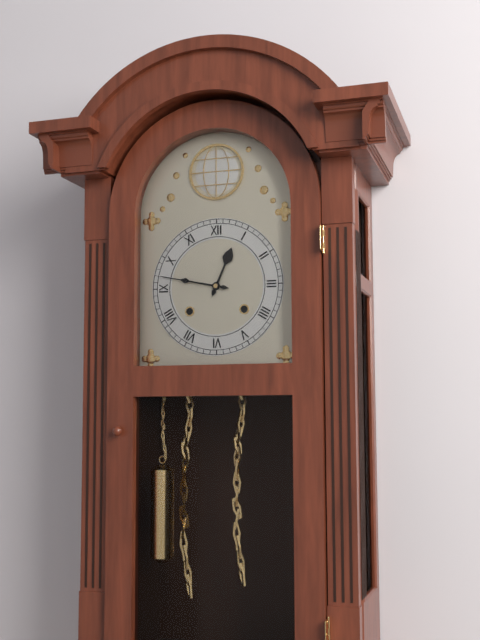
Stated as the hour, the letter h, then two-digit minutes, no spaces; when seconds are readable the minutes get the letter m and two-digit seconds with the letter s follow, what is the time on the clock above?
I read 12h47
